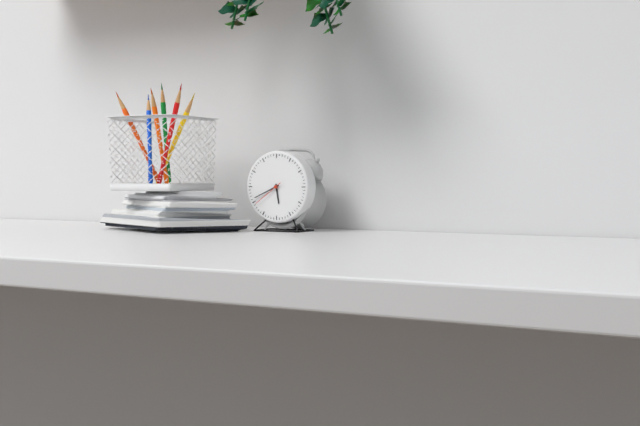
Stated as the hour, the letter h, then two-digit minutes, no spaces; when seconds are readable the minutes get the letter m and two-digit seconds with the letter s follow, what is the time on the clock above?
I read 5h41
